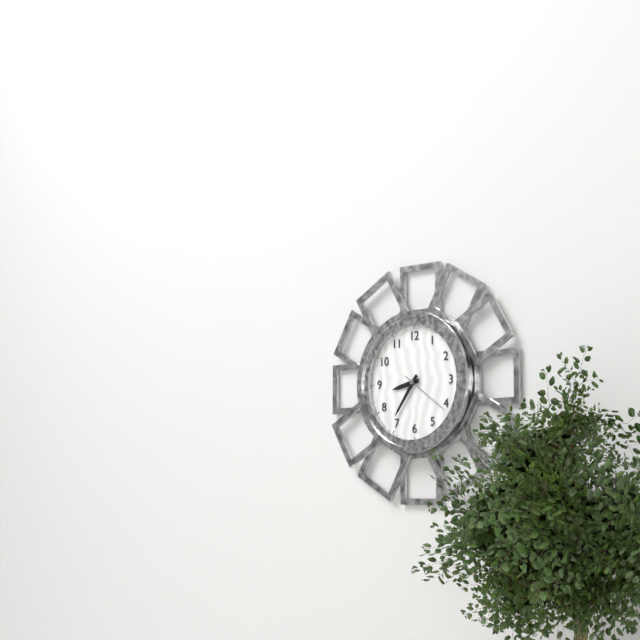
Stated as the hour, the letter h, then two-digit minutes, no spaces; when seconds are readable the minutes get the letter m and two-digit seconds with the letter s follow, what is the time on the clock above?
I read 8h36m21s
